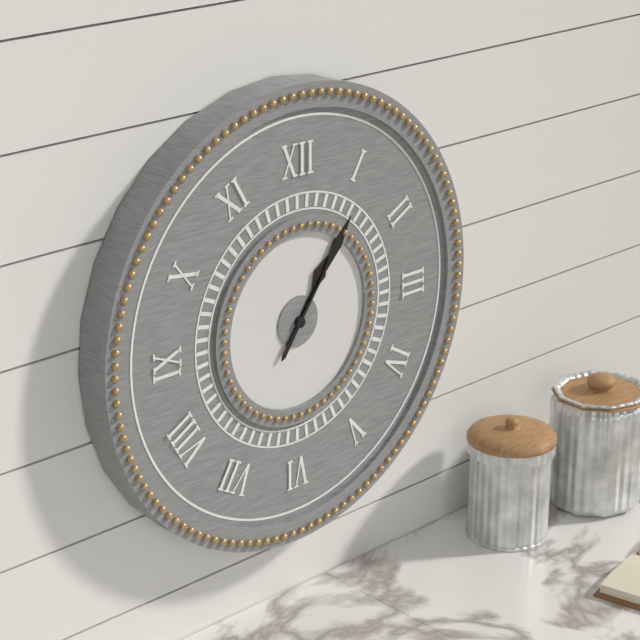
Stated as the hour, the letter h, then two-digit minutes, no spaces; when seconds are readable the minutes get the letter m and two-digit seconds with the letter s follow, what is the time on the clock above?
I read 1h06
